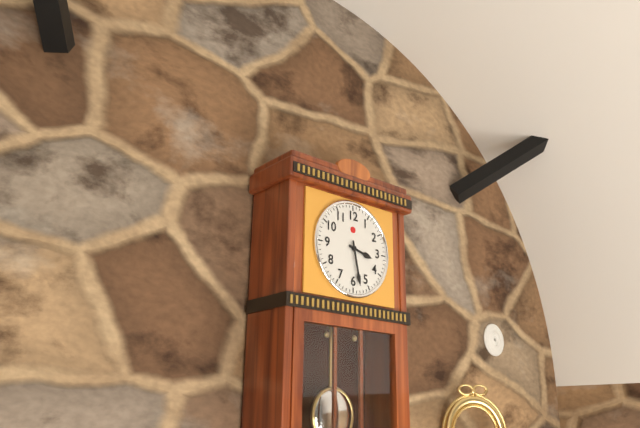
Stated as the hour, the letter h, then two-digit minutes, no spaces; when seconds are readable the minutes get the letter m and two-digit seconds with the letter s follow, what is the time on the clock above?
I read 3h28
